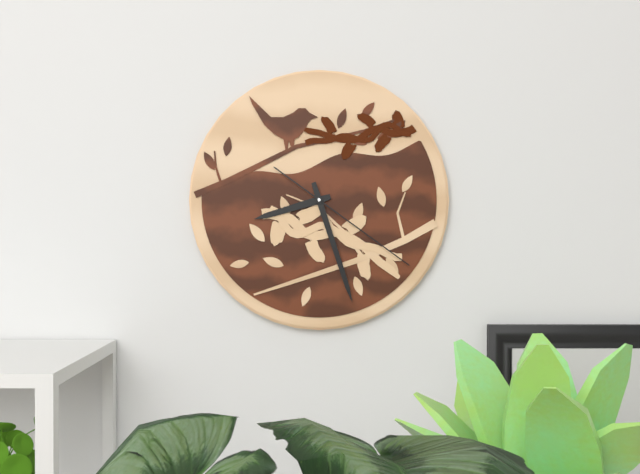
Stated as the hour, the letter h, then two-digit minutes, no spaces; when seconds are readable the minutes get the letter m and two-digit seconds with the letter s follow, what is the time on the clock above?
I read 8h27m21s
